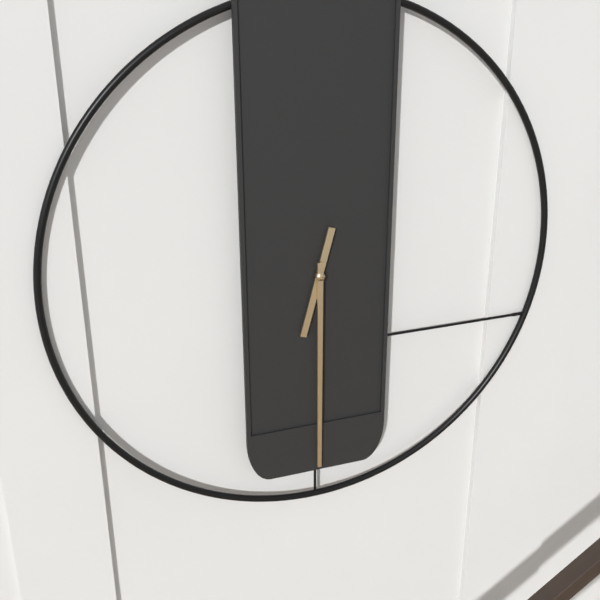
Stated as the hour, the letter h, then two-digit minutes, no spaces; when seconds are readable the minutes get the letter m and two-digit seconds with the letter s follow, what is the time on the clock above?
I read 6h30
